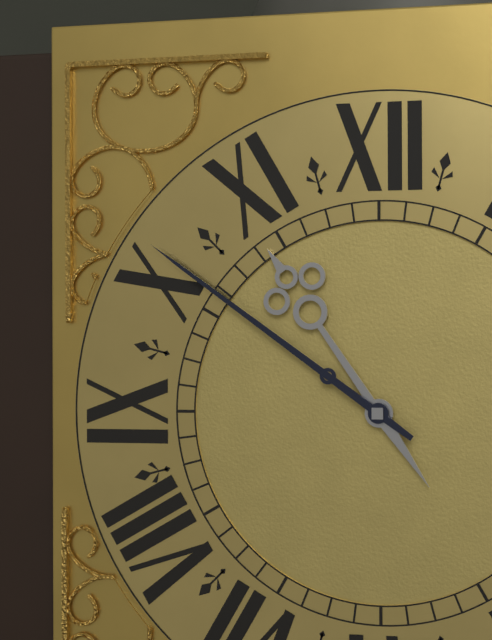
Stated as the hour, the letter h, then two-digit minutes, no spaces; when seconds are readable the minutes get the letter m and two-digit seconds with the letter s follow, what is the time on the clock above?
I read 10h51
